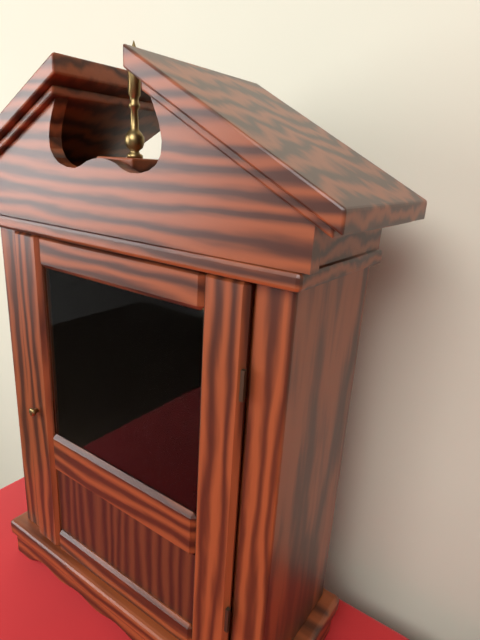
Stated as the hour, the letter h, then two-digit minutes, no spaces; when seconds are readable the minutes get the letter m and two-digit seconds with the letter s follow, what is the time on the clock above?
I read 4h41
